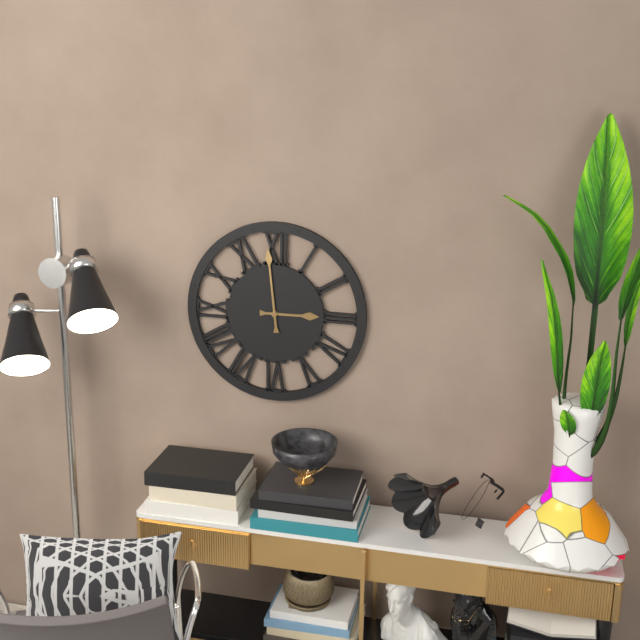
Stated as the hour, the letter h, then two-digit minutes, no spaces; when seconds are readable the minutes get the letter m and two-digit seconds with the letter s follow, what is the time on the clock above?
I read 2h59
